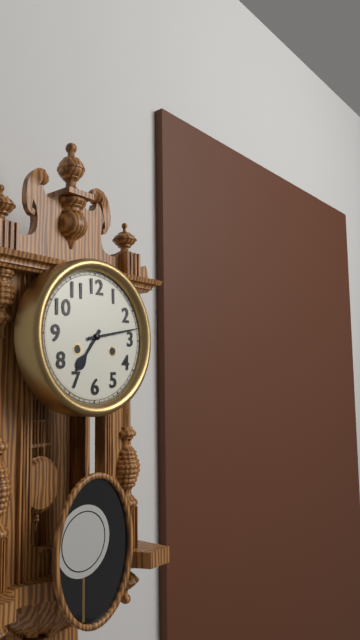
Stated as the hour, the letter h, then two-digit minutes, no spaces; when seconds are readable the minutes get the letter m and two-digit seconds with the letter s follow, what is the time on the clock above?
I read 7h13
